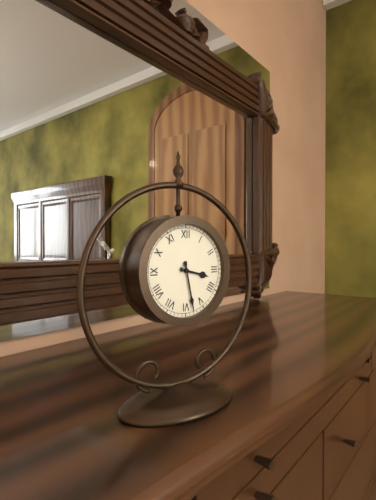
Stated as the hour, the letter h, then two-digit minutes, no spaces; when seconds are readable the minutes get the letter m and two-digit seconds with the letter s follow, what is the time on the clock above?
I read 3h28
